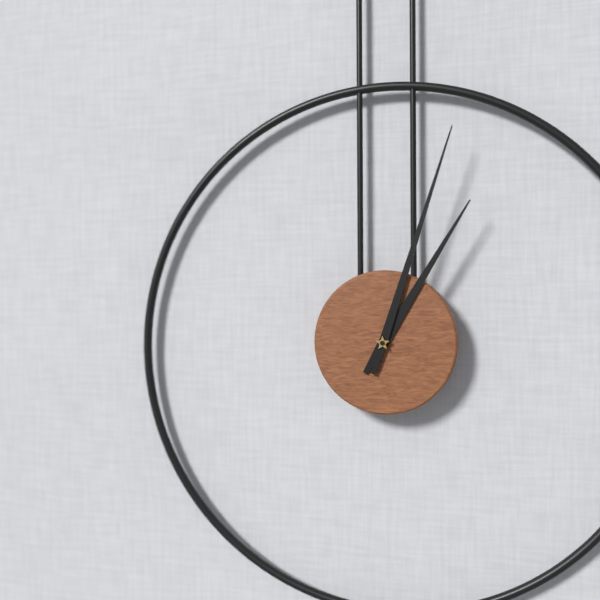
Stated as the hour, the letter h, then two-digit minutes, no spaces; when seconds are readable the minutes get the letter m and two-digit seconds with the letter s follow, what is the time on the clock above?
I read 1h03
